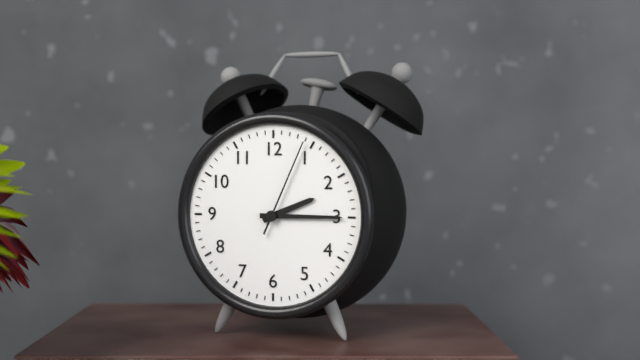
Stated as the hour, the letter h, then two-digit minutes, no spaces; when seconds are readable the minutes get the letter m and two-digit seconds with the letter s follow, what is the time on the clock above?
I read 2h15m04s
